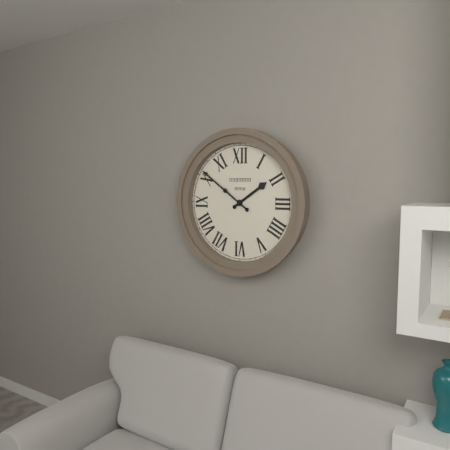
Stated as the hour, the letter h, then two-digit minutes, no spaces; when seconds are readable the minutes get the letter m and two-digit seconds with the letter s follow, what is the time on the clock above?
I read 1h51
